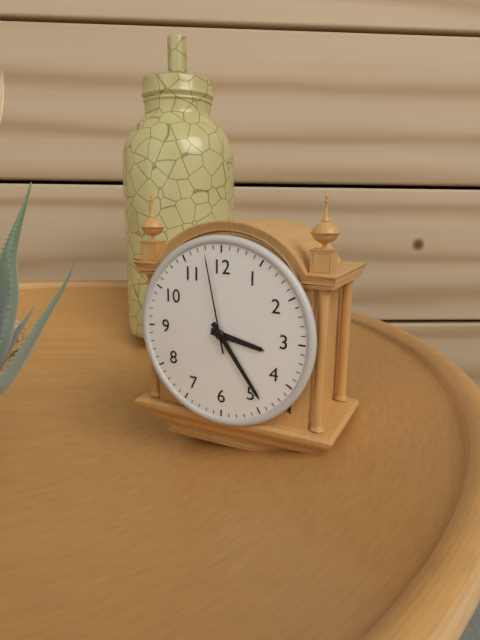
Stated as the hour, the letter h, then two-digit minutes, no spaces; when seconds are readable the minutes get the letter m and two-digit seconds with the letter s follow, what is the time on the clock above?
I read 3h24m58s
